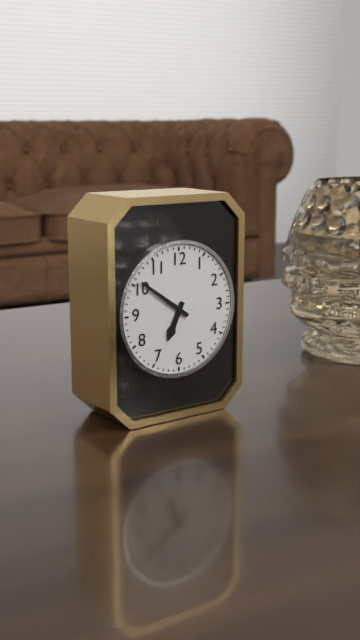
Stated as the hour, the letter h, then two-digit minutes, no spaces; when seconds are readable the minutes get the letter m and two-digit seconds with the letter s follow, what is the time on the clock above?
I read 6h51
